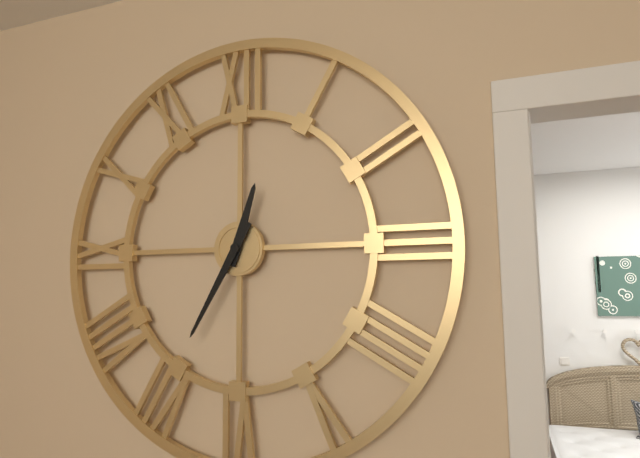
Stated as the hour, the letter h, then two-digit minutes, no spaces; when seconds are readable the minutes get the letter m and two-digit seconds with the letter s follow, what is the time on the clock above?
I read 12h35
